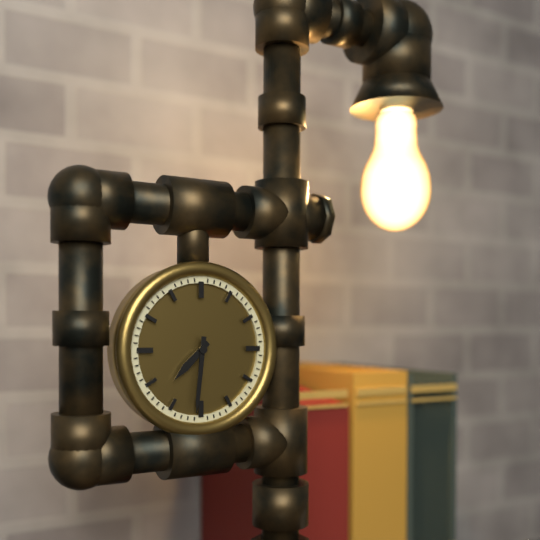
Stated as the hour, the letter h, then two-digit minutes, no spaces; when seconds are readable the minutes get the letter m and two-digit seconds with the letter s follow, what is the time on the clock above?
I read 7h31
